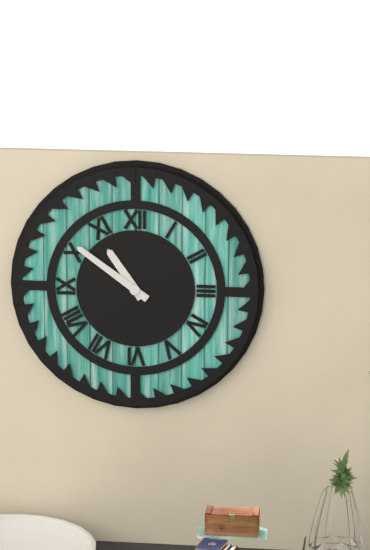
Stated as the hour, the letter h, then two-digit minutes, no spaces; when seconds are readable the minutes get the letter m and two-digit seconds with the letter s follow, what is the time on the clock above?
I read 10h51
